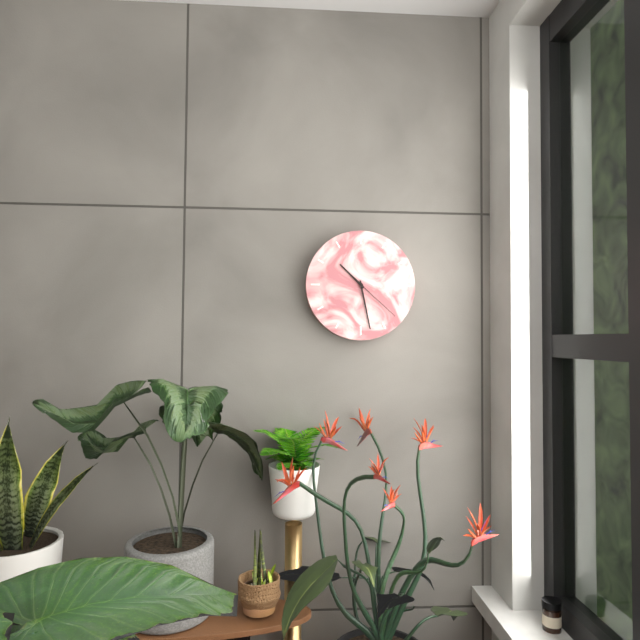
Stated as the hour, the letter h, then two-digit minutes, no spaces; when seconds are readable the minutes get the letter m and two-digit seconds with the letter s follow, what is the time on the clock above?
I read 10h28m22s
